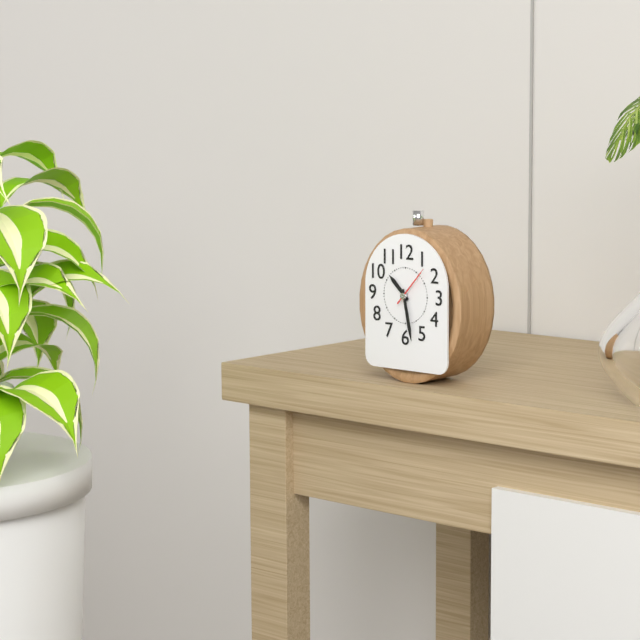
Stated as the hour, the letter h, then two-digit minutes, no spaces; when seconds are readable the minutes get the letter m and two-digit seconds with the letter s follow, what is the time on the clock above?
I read 10h28
